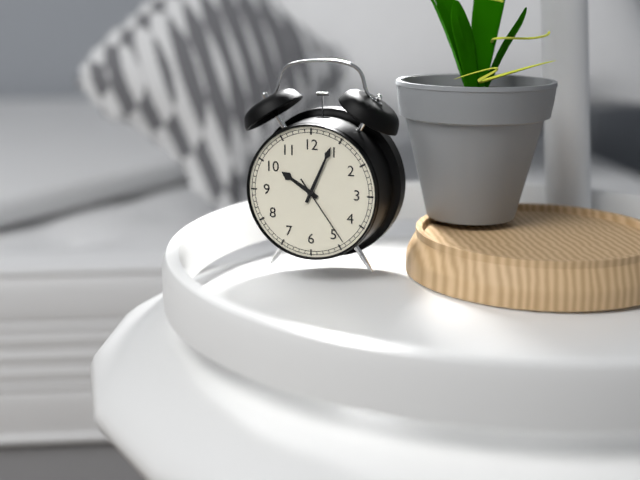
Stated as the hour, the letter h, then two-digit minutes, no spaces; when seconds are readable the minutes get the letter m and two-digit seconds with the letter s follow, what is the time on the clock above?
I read 10h04m24s
